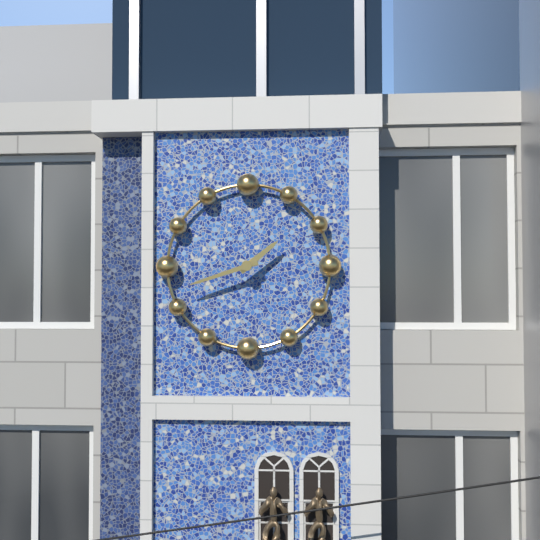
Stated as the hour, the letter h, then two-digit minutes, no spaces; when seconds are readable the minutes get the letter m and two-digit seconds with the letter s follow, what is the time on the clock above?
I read 1h42
